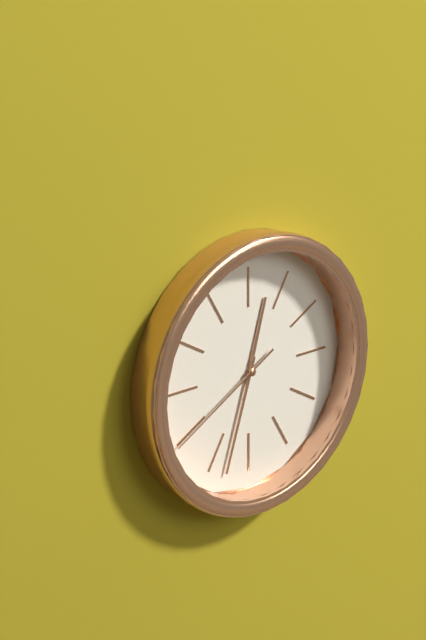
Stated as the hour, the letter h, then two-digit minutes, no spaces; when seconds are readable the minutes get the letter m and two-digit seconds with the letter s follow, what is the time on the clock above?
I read 12h33m40s
